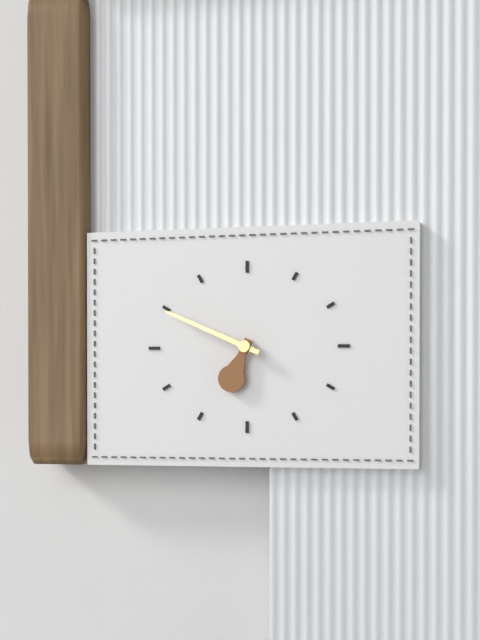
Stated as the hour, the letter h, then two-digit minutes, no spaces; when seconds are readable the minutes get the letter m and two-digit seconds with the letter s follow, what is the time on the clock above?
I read 6h49
